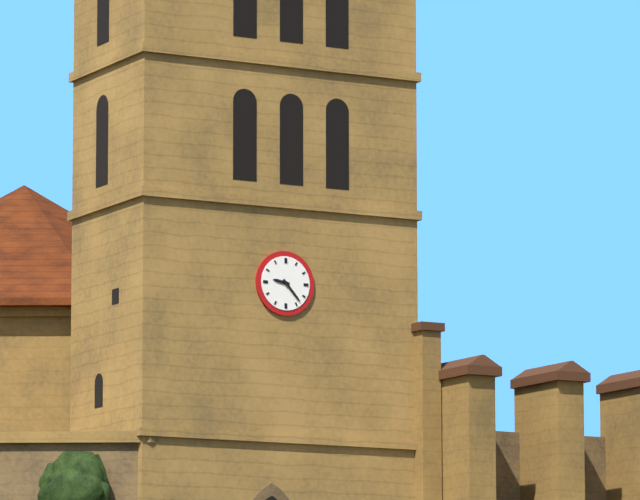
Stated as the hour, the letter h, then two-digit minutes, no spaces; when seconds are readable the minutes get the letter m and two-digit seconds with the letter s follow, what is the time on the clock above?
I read 9h23
